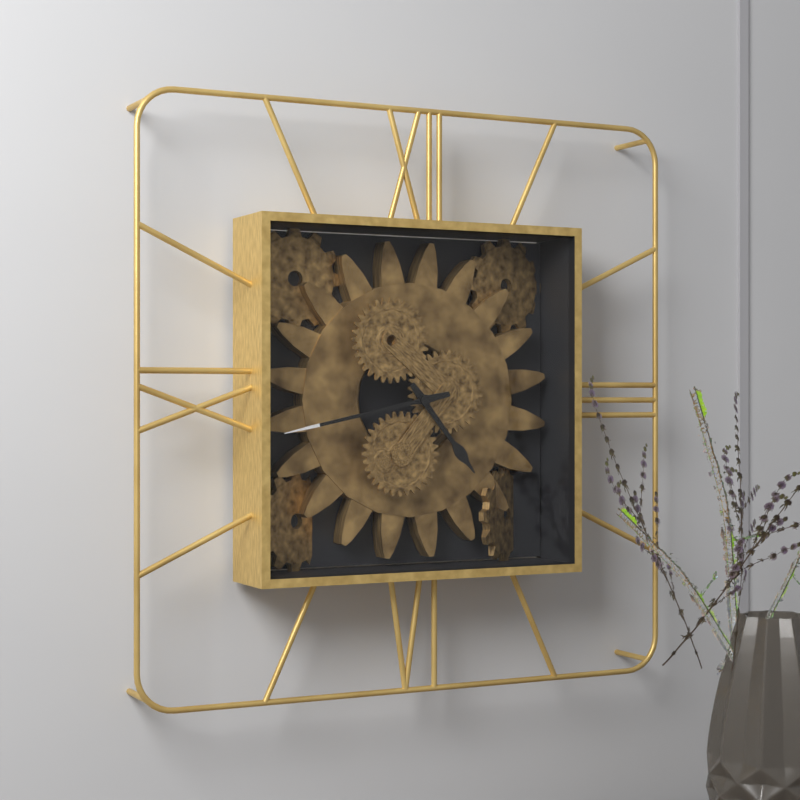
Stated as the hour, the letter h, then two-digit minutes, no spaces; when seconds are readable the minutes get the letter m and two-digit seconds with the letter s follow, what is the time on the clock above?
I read 4h43
